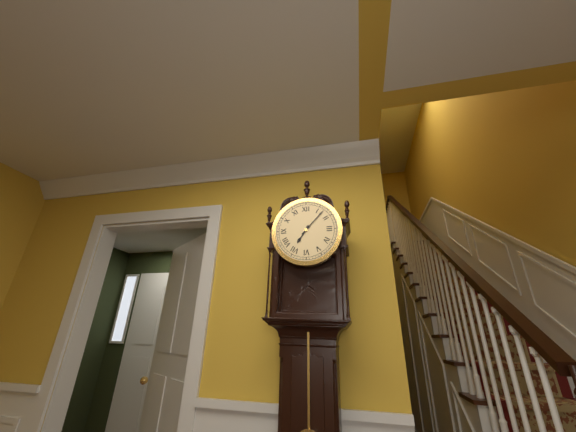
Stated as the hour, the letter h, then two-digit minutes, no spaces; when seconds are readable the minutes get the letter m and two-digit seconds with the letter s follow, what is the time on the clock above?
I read 7h07
